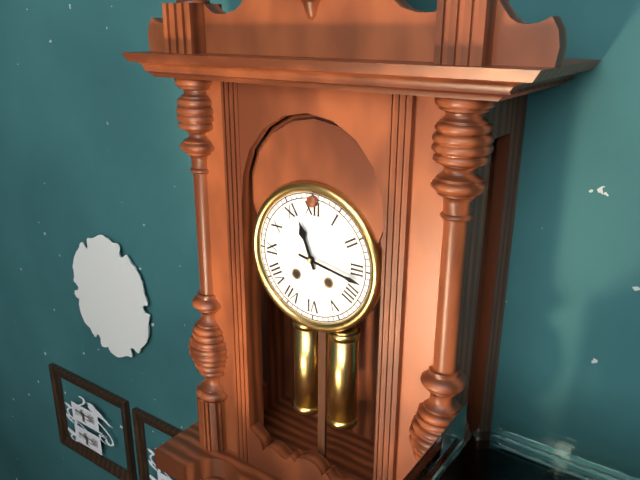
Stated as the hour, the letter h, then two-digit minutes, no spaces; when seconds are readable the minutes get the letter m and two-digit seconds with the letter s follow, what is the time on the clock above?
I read 11h17
